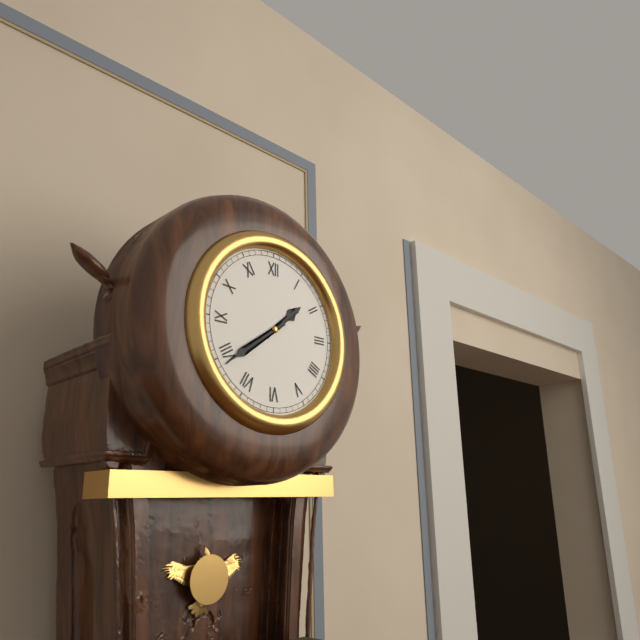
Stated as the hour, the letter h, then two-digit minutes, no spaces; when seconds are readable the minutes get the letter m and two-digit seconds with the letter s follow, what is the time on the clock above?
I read 1h39
